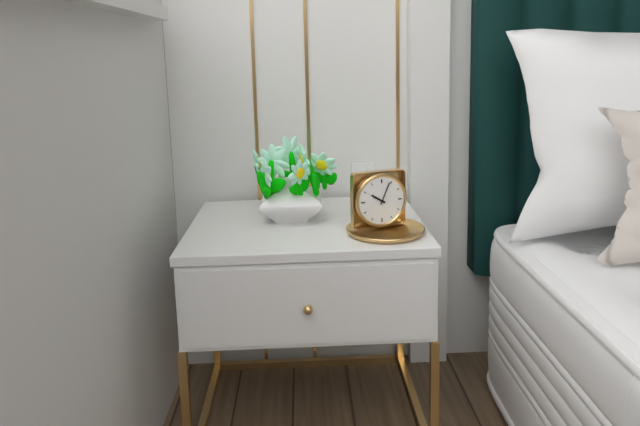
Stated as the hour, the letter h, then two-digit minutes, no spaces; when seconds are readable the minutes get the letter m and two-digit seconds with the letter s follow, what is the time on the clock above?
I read 10h04
